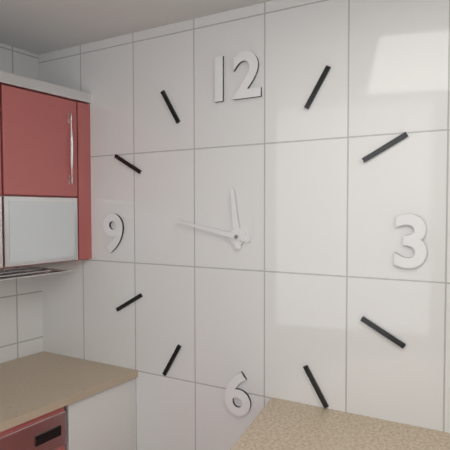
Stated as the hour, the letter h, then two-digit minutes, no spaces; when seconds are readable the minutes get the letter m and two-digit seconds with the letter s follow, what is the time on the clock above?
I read 11h47
